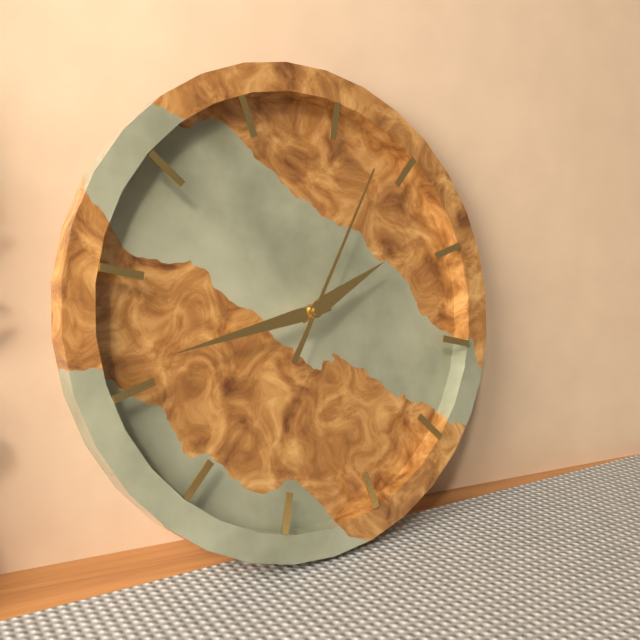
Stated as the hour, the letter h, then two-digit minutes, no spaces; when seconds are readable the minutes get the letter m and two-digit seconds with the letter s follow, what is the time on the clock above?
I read 1h41m03s
